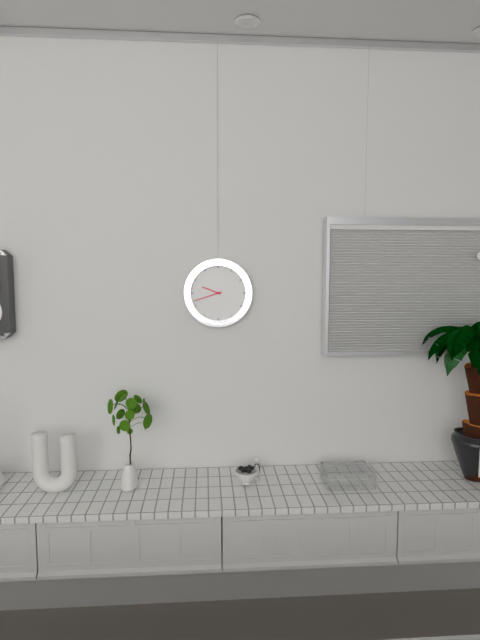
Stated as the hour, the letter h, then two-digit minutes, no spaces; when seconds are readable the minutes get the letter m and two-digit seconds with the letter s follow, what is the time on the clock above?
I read 9h42
